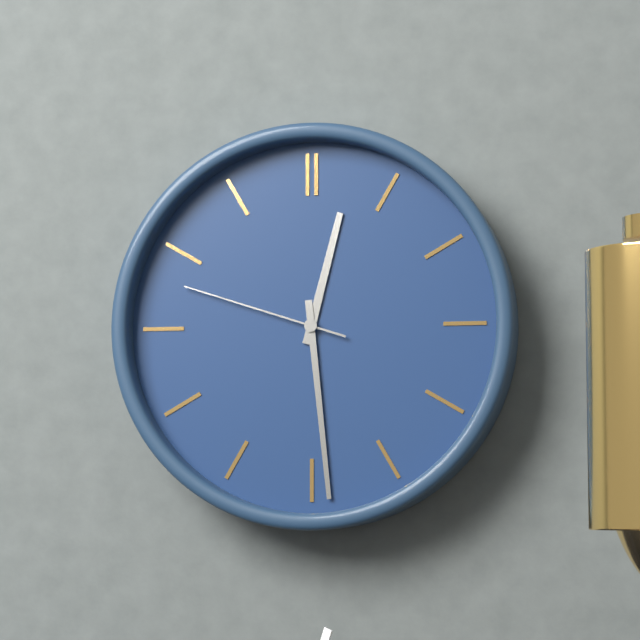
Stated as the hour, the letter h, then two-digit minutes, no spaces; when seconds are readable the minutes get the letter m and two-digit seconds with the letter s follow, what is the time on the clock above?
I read 12h29m48s
